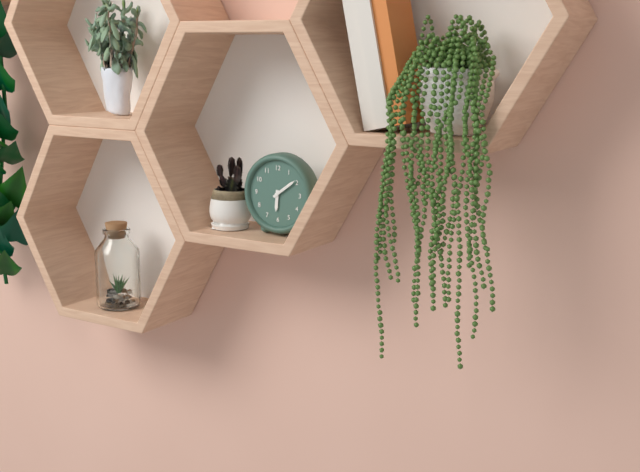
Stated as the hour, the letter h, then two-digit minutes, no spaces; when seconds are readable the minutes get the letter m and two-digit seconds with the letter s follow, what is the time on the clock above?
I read 6h09
